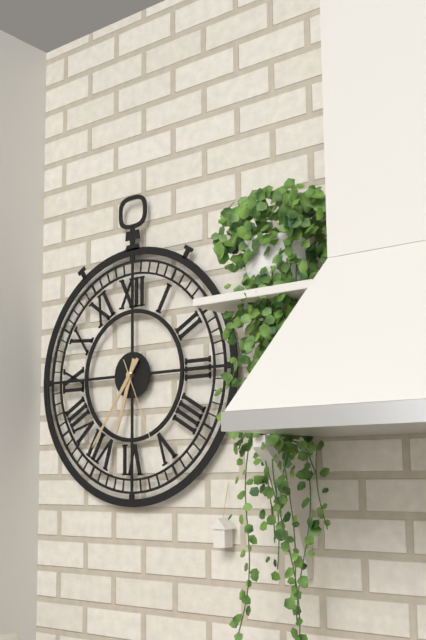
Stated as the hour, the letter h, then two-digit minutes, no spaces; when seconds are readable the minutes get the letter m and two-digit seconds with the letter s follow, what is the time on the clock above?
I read 6h36m26s
